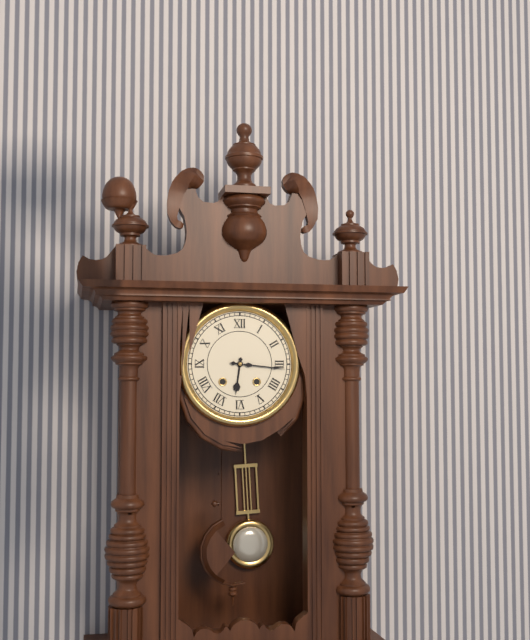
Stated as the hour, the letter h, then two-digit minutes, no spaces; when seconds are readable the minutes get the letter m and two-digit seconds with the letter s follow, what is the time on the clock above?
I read 6h16
